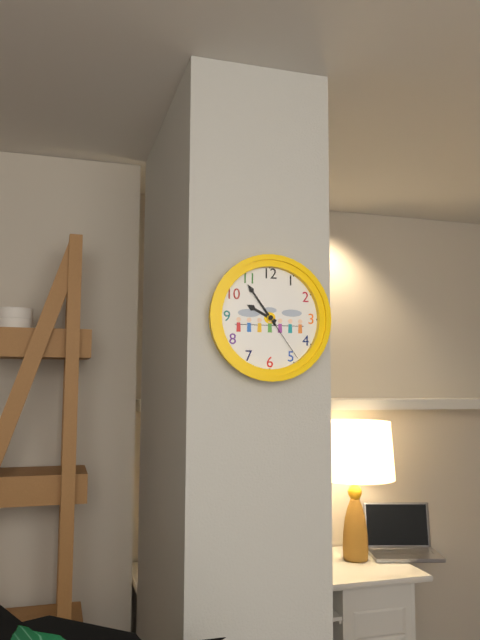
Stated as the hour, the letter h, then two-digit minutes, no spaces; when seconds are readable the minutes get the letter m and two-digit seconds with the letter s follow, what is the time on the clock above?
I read 9h54m24s
